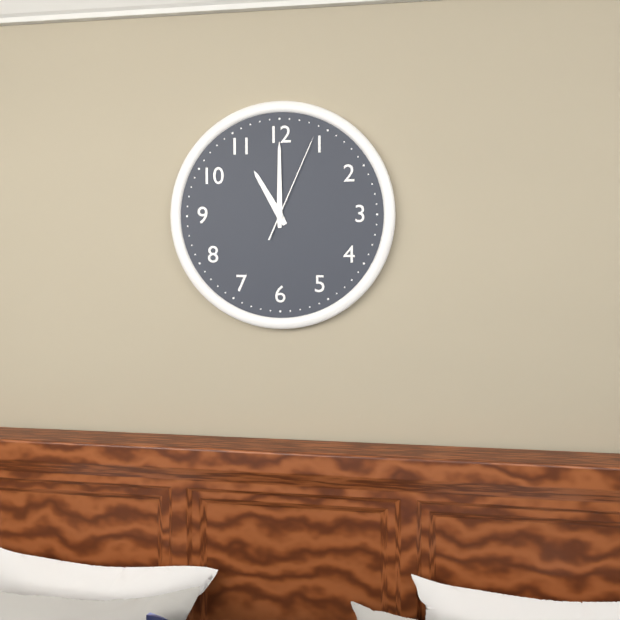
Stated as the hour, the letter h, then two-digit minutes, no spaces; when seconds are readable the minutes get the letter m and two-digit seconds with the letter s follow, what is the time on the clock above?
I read 11h00m04s
